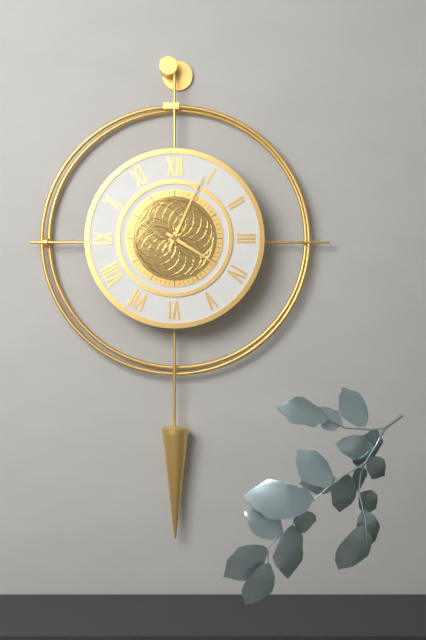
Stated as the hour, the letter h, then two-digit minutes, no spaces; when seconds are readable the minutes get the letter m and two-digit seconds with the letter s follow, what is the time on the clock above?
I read 4h04
